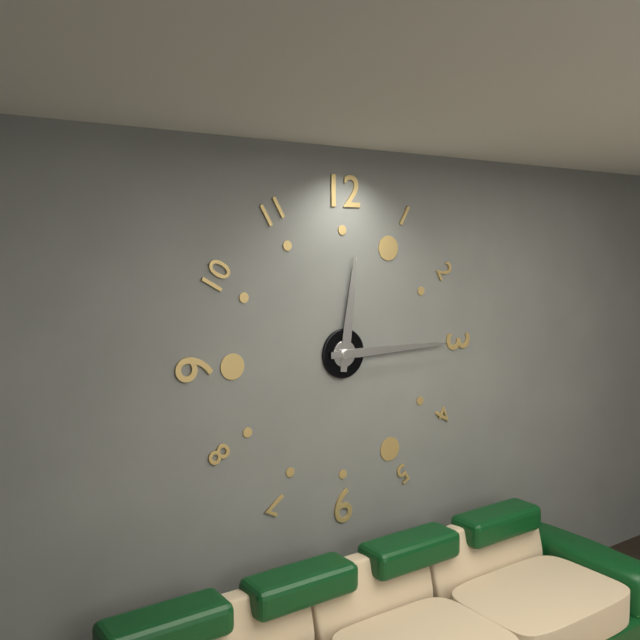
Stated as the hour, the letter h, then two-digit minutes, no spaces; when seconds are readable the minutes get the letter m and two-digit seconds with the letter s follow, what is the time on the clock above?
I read 12h15
